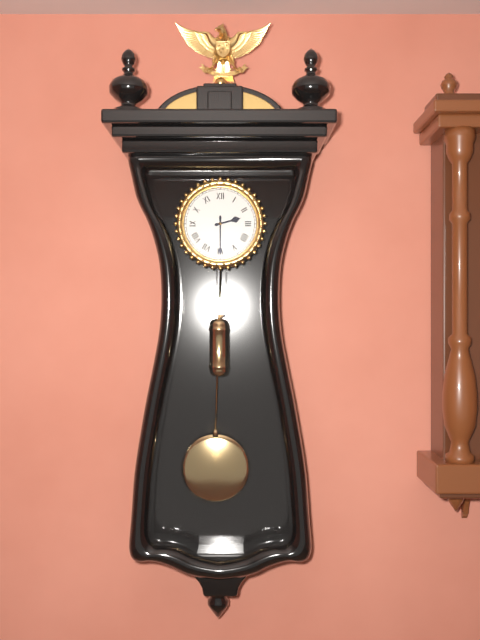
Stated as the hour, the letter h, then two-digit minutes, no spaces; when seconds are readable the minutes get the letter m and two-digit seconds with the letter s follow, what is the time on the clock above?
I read 2h30
